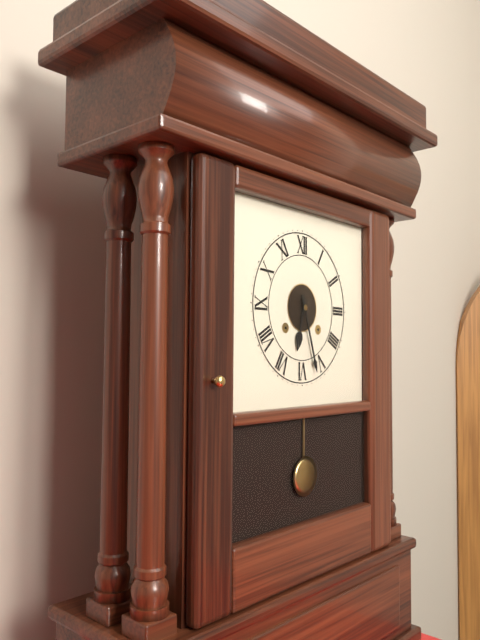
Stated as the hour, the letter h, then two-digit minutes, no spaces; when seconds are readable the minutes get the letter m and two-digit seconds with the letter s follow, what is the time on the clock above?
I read 6h27
